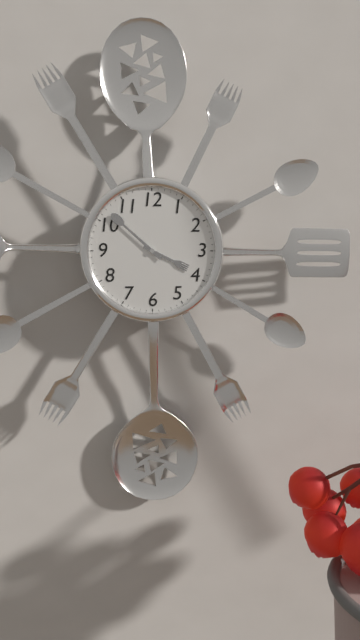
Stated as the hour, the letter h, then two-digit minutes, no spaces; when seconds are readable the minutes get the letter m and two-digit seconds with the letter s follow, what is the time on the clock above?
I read 3h52
